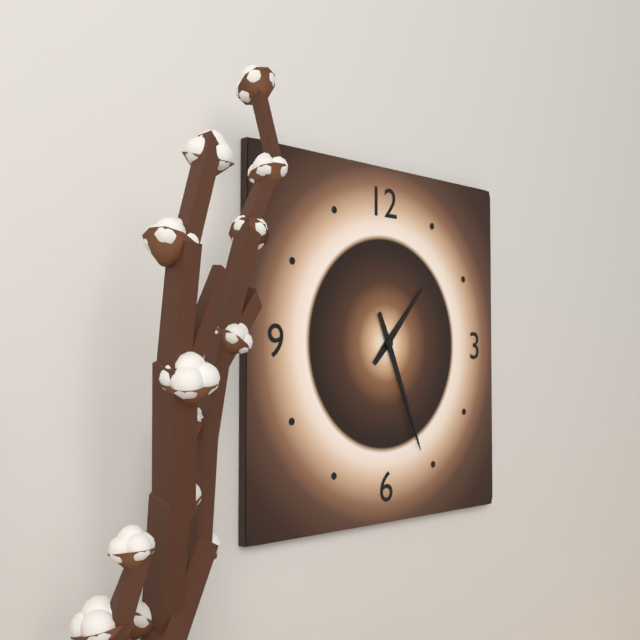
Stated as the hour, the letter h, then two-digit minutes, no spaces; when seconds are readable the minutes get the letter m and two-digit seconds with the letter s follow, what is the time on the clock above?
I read 1h26
